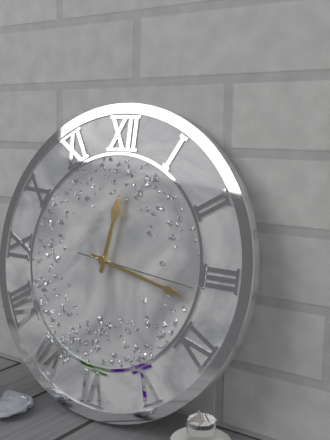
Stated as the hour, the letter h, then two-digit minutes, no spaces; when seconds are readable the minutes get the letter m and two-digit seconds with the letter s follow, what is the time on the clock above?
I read 12h17m16s
